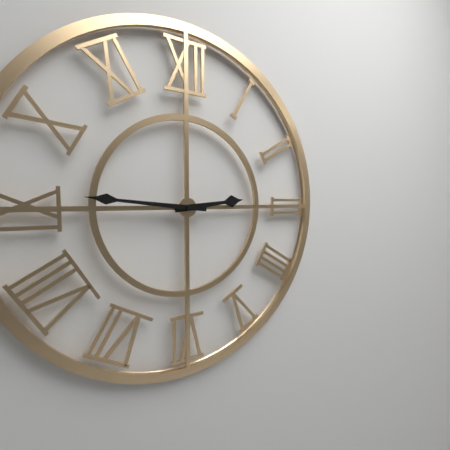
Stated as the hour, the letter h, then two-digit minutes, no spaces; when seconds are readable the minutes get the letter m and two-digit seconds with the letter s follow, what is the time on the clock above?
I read 2h46
